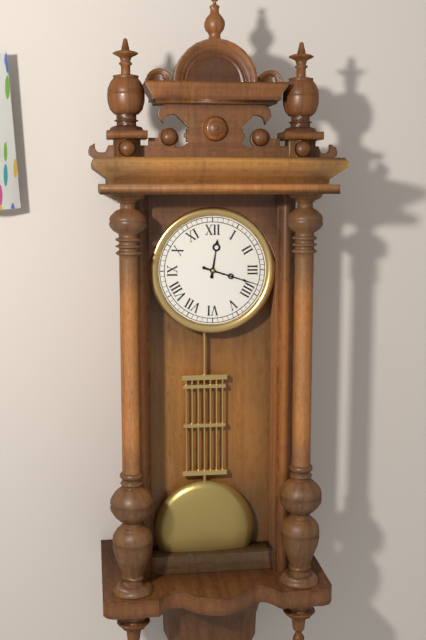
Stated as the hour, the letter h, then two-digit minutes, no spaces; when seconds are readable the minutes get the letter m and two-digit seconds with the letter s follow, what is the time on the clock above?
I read 12h18
